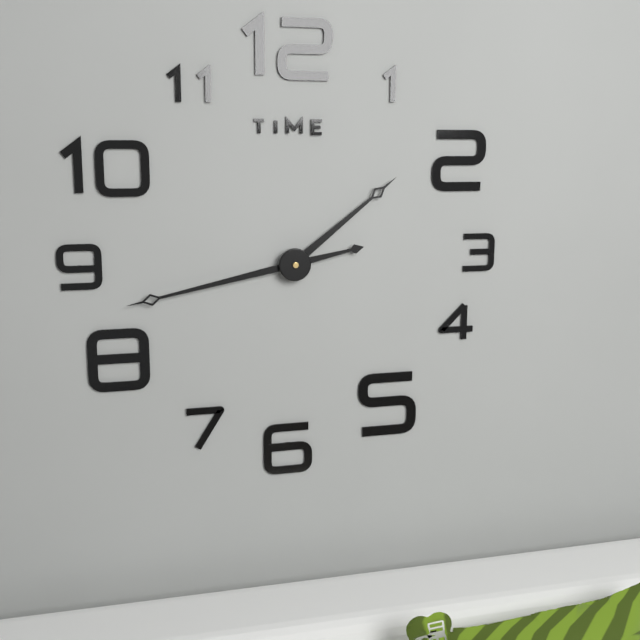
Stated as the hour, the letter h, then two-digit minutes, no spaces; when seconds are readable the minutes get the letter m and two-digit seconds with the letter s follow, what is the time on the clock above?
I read 1h43
